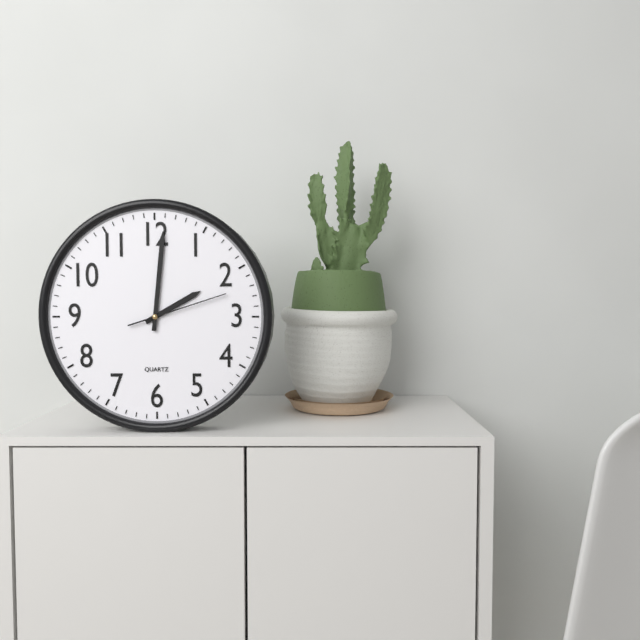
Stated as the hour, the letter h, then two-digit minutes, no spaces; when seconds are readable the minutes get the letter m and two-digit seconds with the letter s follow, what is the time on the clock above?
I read 2h01m12s
